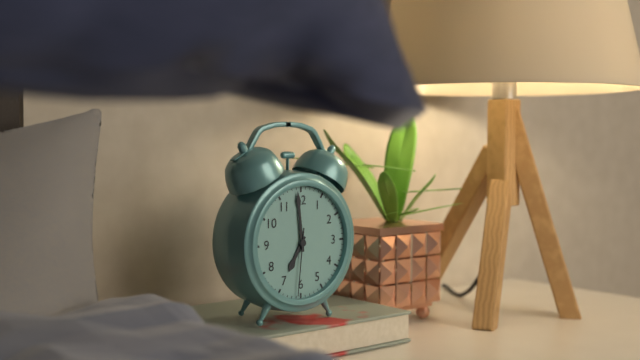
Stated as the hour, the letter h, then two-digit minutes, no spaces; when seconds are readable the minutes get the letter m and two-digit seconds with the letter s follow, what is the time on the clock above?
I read 6h59m31s
